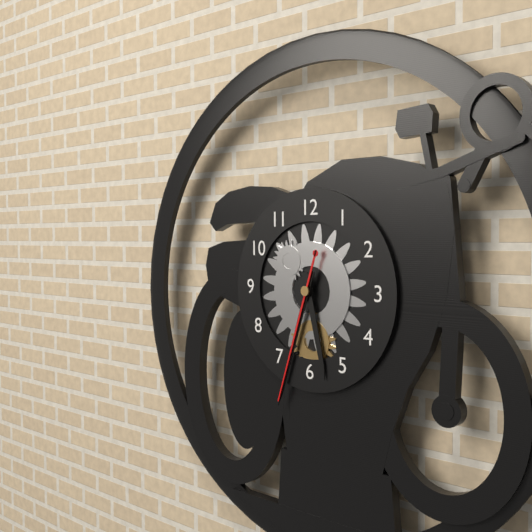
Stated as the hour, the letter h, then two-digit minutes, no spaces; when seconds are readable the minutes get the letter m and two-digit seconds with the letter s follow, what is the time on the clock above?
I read 5h33m33s
